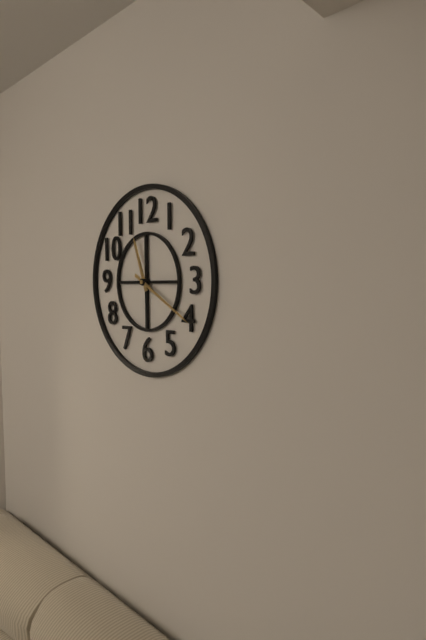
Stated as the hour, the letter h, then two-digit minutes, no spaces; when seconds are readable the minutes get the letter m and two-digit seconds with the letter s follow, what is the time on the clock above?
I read 11h20
